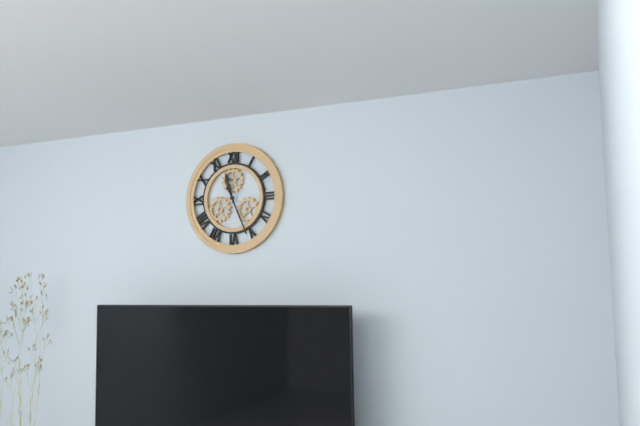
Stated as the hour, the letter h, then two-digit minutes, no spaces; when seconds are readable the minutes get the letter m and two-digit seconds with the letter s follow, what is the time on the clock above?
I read 11h26
